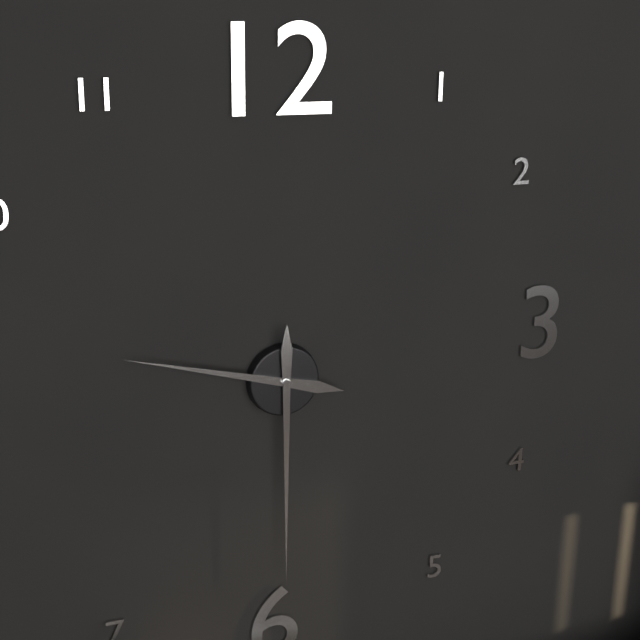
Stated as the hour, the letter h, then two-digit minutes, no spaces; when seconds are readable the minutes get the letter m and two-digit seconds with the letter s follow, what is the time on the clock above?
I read 9h30
